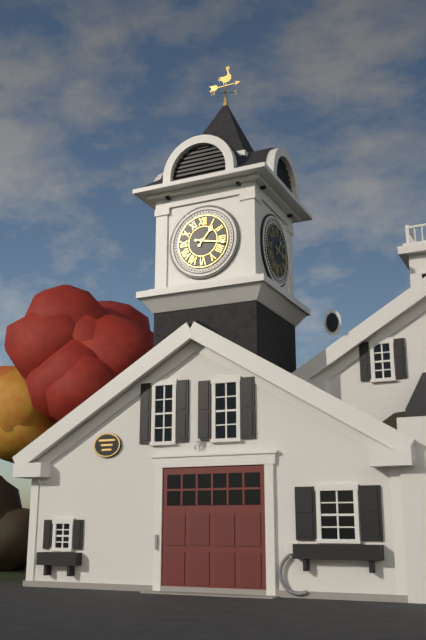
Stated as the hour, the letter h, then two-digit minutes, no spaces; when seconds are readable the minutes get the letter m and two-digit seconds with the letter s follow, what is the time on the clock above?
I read 1h17
